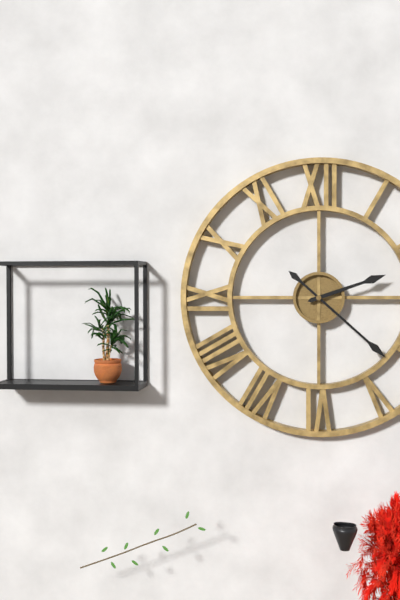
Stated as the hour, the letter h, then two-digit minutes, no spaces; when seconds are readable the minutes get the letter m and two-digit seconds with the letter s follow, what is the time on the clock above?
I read 2h22
